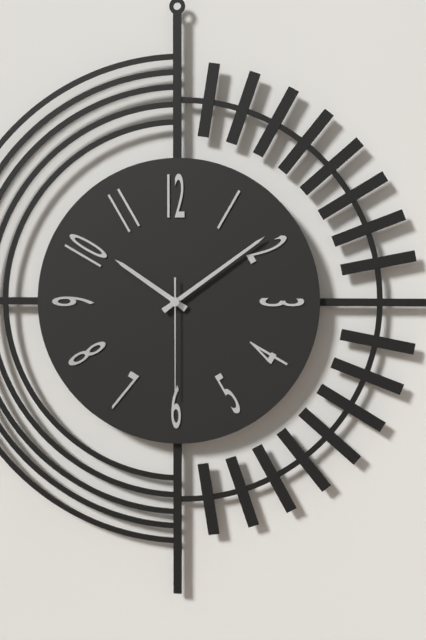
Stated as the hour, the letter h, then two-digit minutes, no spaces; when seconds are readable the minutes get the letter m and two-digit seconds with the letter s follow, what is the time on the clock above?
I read 10h09m30s
